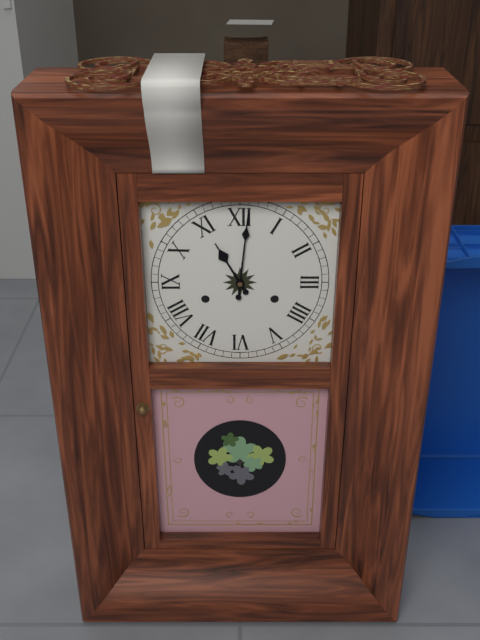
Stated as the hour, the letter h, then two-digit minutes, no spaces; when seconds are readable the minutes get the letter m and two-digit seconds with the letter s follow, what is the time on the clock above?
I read 11h01
